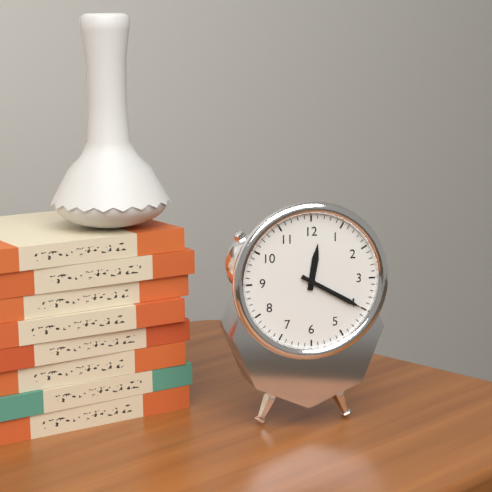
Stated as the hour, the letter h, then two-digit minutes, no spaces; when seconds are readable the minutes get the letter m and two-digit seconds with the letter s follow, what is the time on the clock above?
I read 12h20
